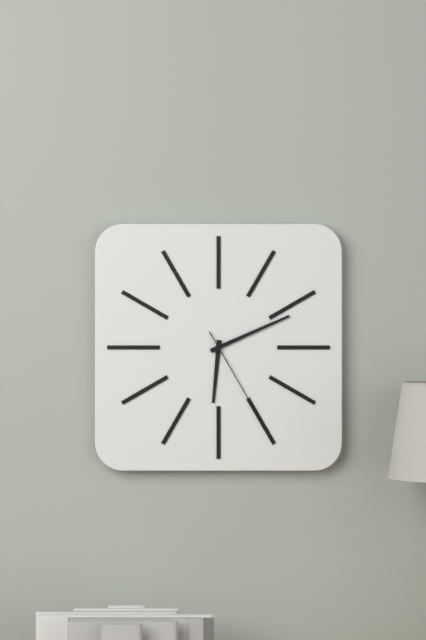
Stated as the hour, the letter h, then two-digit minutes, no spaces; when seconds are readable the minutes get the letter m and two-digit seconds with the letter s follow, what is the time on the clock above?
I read 6h11m25s
